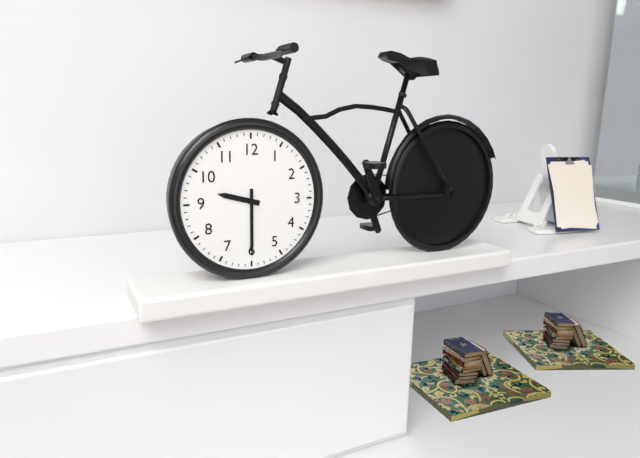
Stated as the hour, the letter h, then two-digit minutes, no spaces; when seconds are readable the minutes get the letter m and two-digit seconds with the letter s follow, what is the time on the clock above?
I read 9h30
